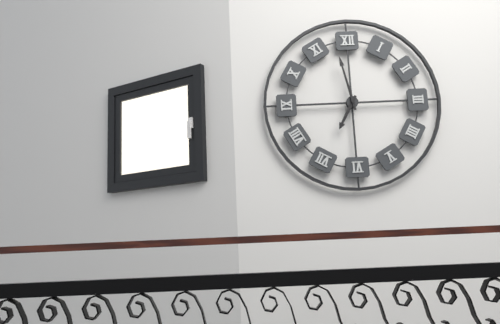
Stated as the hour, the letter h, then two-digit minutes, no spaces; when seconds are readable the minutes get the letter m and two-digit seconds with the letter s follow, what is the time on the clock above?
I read 6h58
